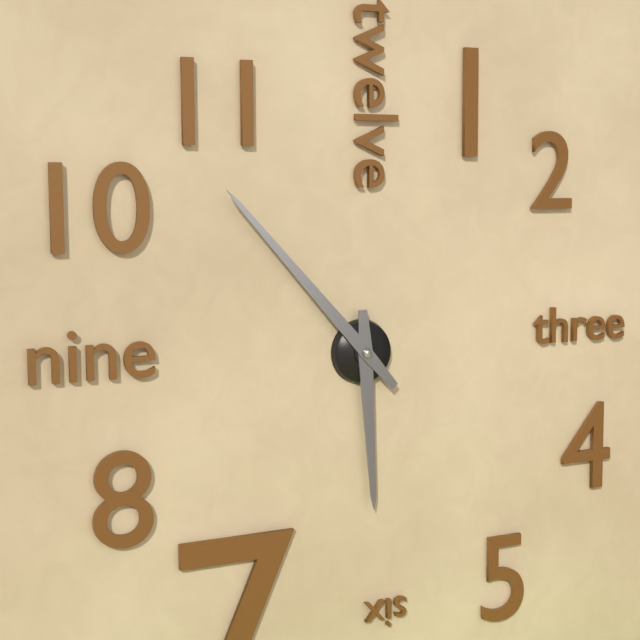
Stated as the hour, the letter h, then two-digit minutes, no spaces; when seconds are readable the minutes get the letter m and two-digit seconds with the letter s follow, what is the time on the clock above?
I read 5h53
